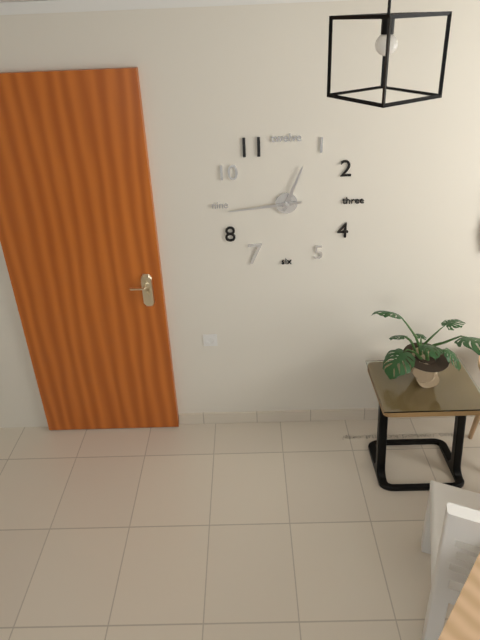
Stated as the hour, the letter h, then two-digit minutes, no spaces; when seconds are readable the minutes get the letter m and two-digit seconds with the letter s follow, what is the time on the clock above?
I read 12h44
